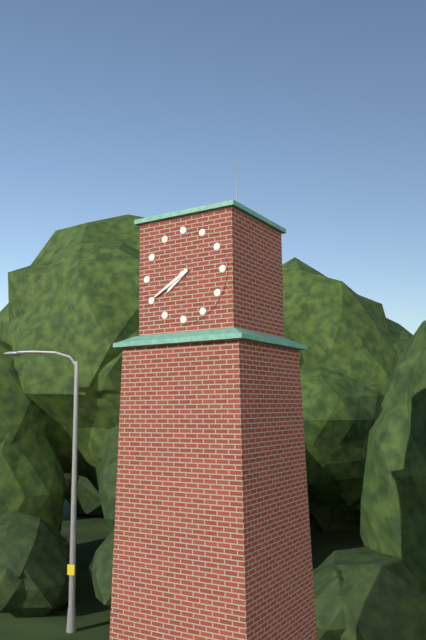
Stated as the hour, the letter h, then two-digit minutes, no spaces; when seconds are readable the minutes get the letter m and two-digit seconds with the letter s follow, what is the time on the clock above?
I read 7h40
